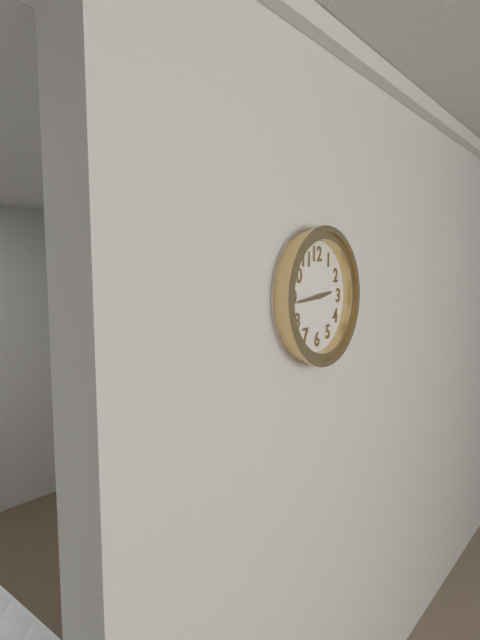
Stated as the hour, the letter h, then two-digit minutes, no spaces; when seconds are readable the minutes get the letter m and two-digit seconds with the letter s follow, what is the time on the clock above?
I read 2h44
